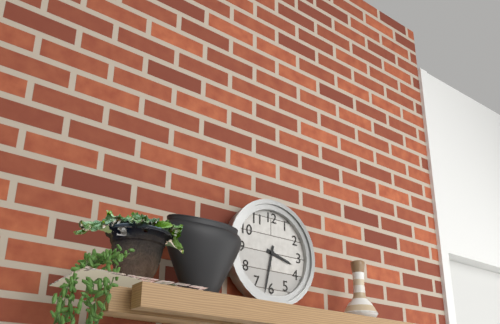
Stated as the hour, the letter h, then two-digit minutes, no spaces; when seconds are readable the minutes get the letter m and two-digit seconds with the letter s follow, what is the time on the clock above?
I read 3h32
